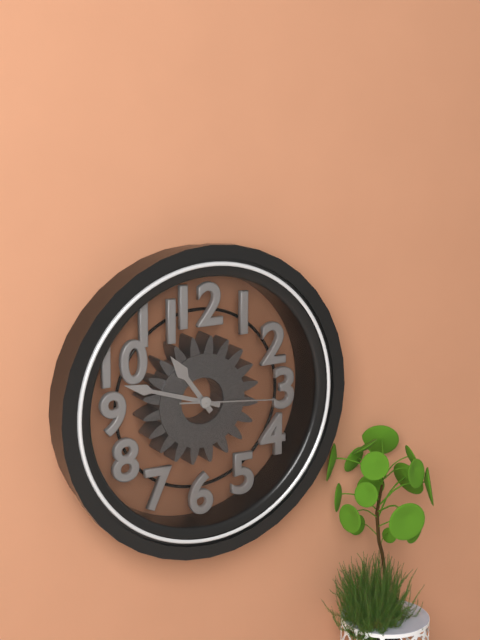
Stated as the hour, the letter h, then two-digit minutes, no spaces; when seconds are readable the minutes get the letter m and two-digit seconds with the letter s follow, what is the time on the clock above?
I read 10h48m16s
